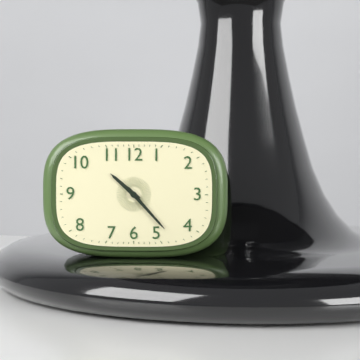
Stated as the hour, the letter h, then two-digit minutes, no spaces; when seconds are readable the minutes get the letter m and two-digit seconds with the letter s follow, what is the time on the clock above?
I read 10h23
